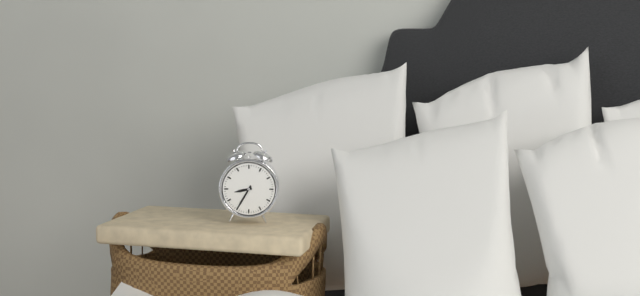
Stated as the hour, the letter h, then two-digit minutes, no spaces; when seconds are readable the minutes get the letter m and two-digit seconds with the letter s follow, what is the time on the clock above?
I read 8h35
